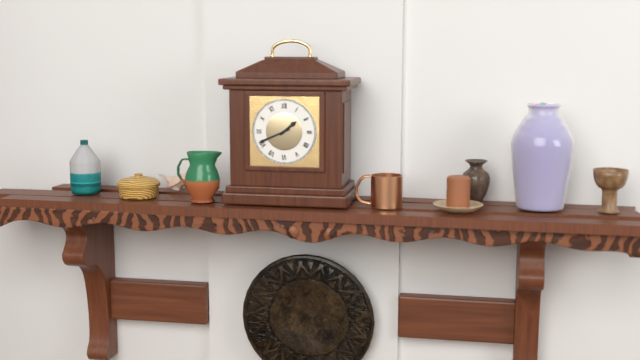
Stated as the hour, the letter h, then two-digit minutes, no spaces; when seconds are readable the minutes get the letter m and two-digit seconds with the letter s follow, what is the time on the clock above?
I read 1h41
